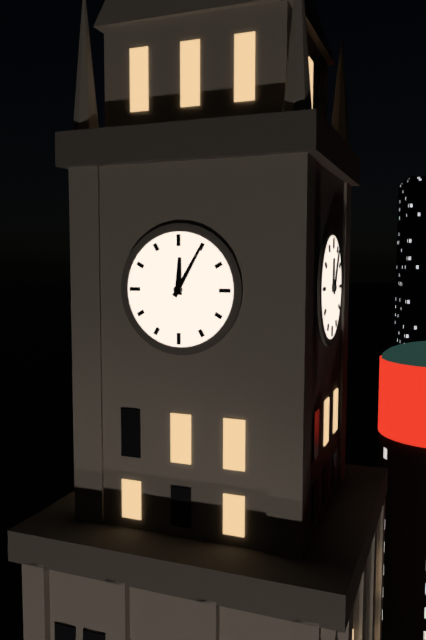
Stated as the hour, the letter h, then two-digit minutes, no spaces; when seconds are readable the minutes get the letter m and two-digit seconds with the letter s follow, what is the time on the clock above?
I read 12h05
